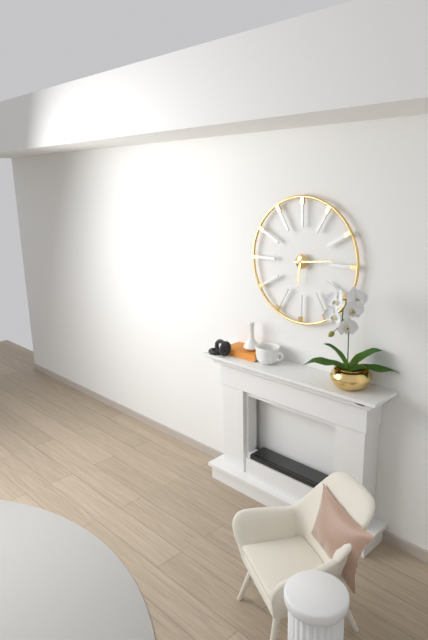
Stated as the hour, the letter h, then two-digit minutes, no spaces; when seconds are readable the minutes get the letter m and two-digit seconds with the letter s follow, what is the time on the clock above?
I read 6h14
